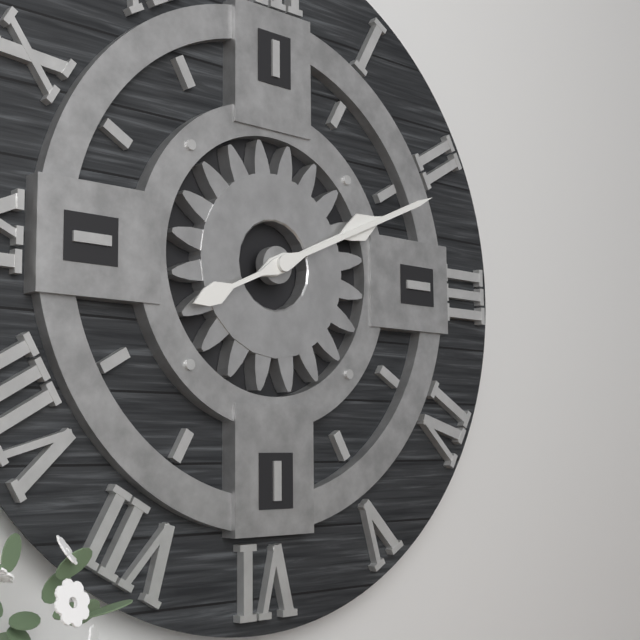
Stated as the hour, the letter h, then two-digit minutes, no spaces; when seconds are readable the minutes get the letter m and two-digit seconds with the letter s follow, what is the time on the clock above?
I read 2h11
